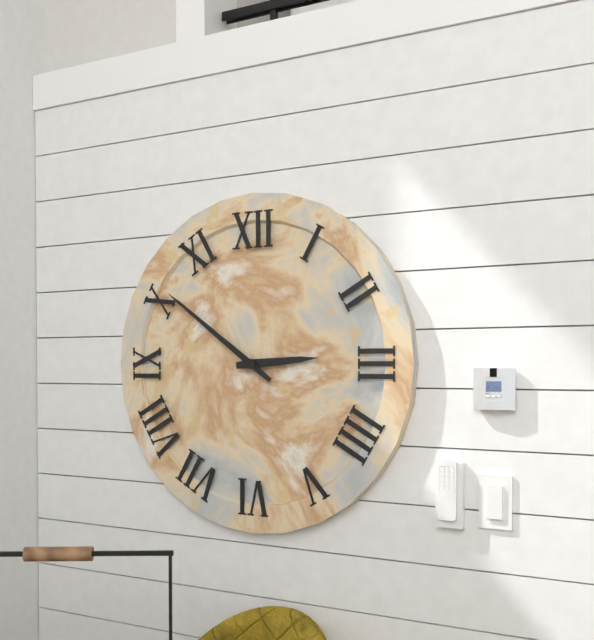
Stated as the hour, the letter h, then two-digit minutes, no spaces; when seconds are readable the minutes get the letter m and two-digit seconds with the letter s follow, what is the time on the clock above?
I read 2h51
